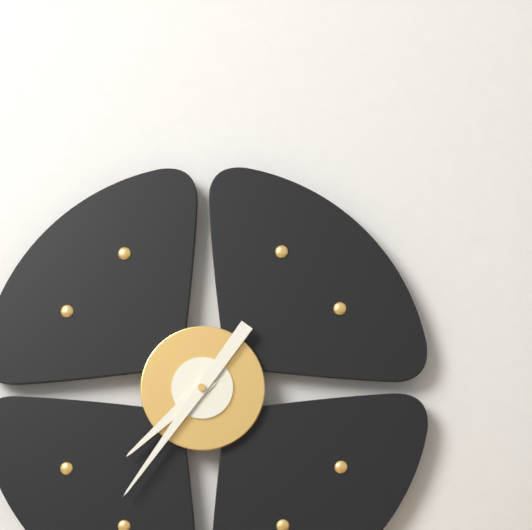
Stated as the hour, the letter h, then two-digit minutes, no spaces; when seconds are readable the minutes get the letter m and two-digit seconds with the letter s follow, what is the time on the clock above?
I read 7h36
